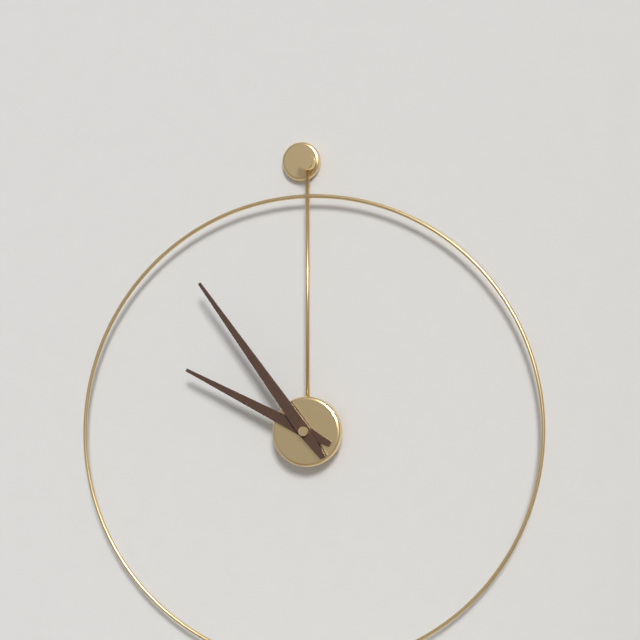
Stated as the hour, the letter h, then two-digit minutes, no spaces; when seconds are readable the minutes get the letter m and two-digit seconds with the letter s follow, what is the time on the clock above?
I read 9h54
